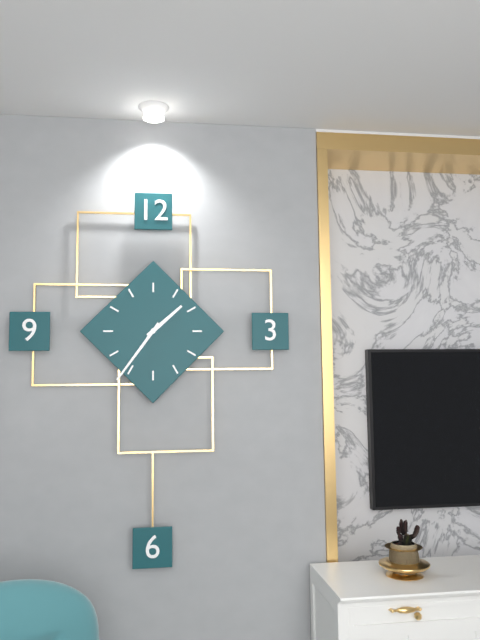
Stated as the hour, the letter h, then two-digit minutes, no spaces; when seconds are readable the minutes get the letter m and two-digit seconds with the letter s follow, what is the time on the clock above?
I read 1h36
